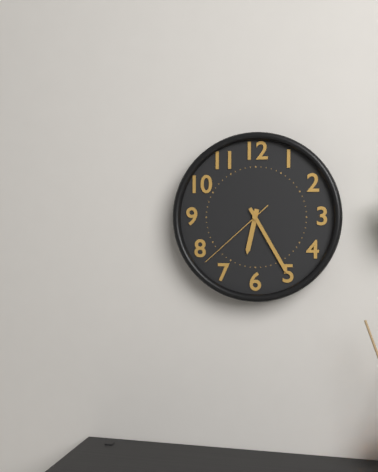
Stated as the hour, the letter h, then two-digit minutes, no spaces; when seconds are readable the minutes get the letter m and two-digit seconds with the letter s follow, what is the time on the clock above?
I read 6h25m38s
